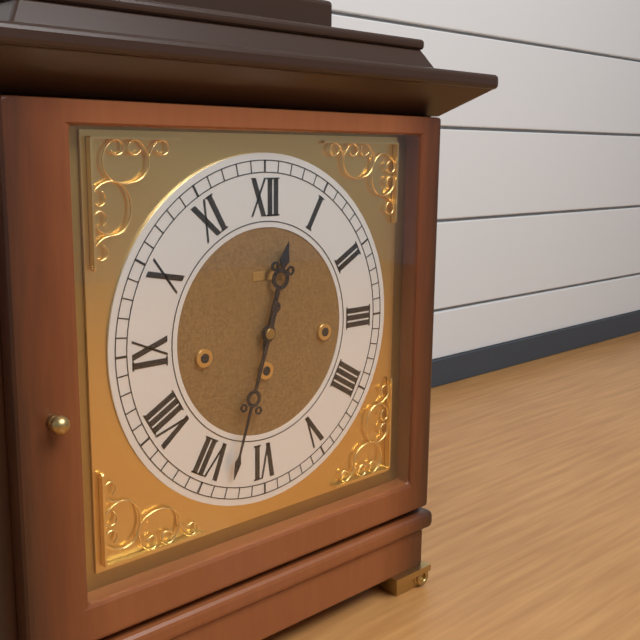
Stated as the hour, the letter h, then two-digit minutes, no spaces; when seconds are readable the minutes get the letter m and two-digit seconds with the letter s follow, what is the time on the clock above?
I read 12h33
